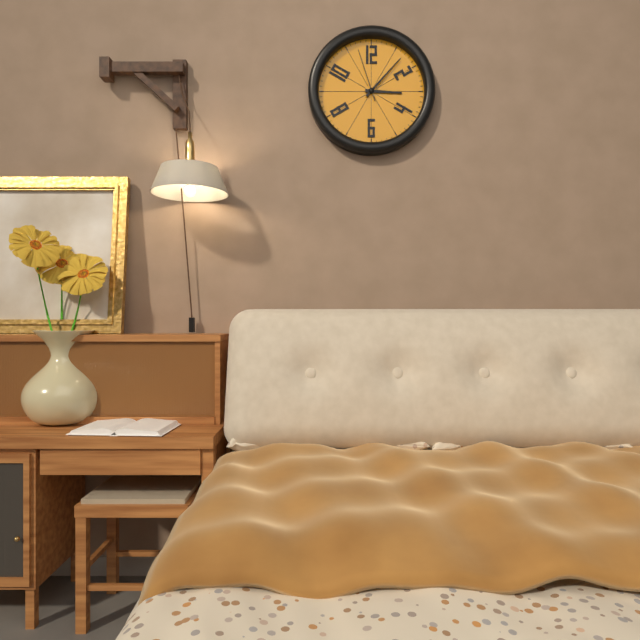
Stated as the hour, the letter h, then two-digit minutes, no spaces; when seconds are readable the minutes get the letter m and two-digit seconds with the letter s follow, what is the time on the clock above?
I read 3h07m57s
